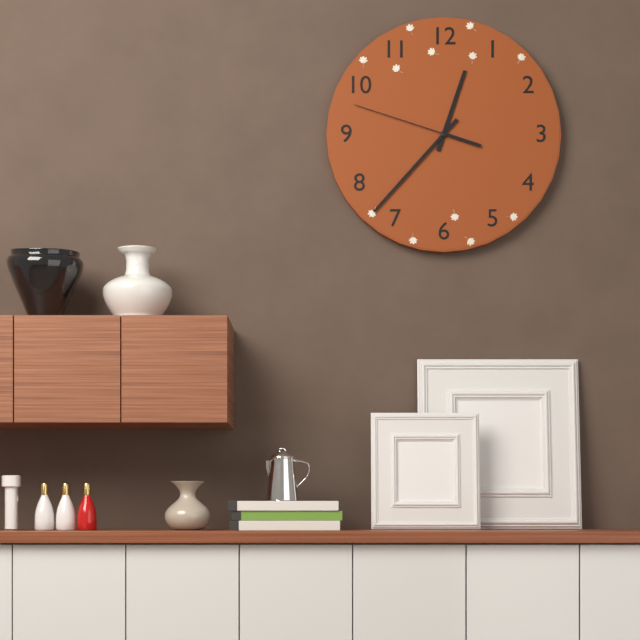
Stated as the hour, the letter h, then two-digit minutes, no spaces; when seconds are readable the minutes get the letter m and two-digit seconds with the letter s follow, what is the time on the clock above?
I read 12h37m48s
